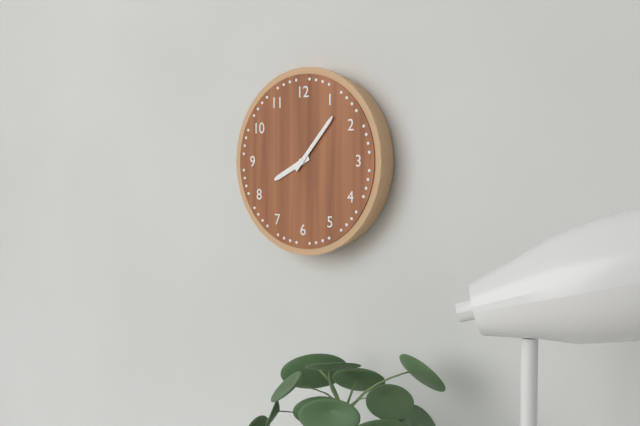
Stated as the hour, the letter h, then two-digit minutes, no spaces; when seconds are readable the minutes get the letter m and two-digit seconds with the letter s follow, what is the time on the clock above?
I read 8h07
